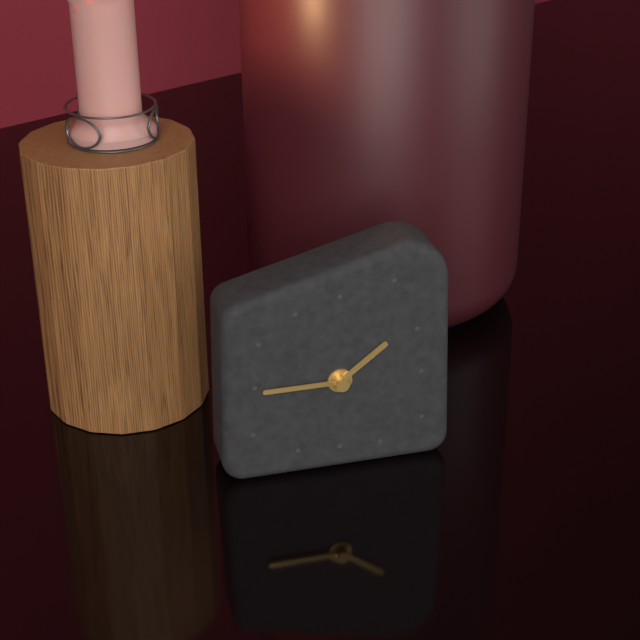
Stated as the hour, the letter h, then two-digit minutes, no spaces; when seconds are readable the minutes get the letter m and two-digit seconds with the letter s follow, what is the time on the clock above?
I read 1h45
